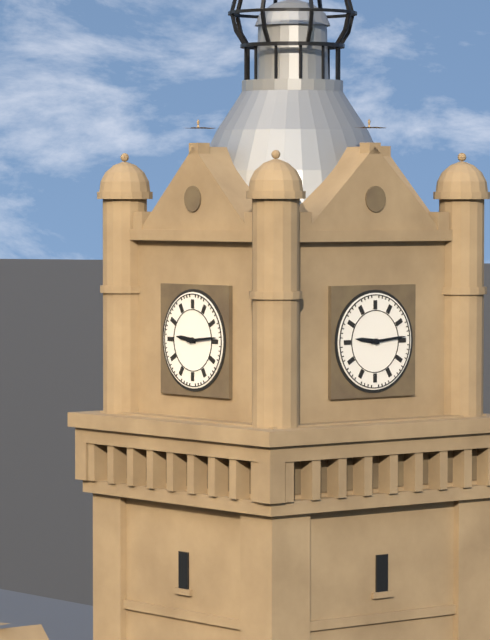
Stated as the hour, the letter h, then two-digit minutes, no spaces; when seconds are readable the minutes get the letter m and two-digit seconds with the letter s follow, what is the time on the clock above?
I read 9h14
